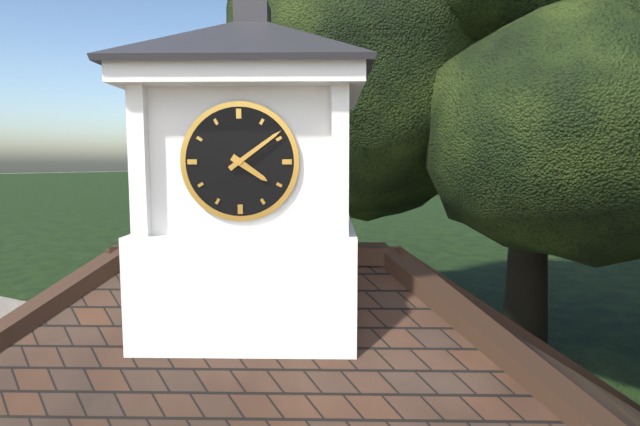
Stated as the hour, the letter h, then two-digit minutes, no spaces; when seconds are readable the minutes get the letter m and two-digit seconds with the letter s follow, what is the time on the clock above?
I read 4h09
